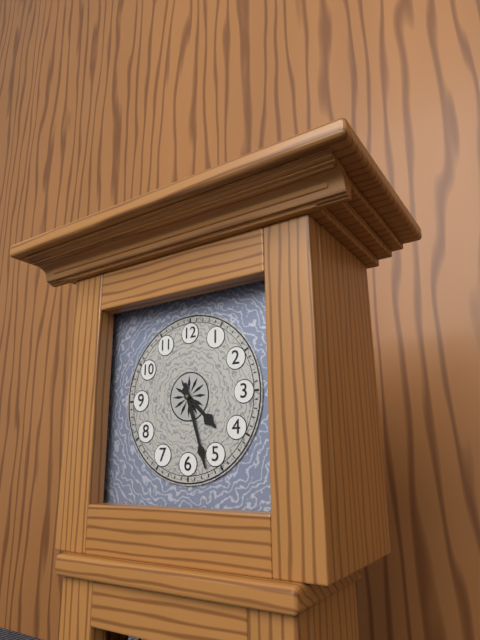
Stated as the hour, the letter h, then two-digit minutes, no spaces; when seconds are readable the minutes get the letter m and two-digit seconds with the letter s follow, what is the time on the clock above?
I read 4h27
